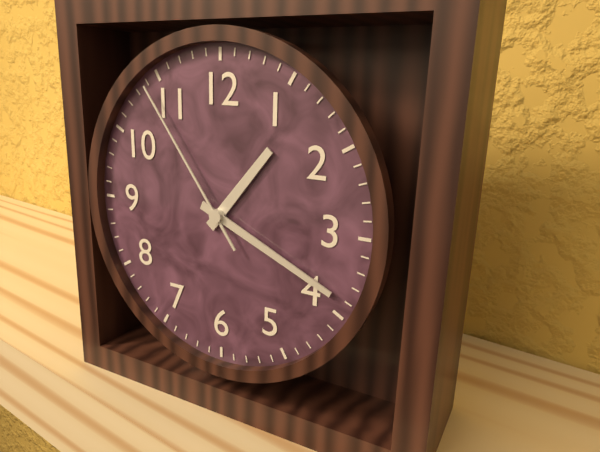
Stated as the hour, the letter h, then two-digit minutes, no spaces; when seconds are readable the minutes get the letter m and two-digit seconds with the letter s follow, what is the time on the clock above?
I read 1h19m54s
